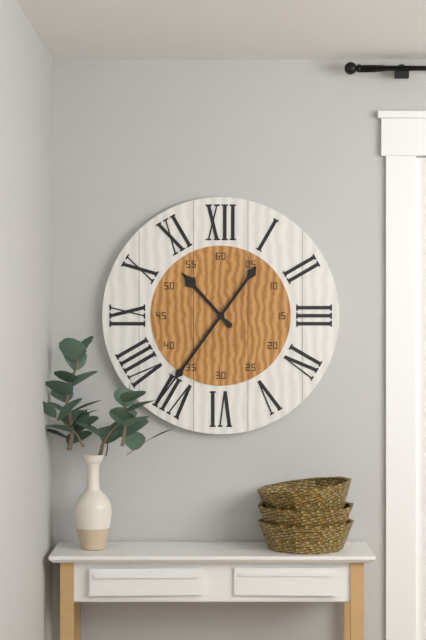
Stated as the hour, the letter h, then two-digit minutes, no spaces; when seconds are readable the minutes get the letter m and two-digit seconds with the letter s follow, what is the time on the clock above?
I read 10h36
